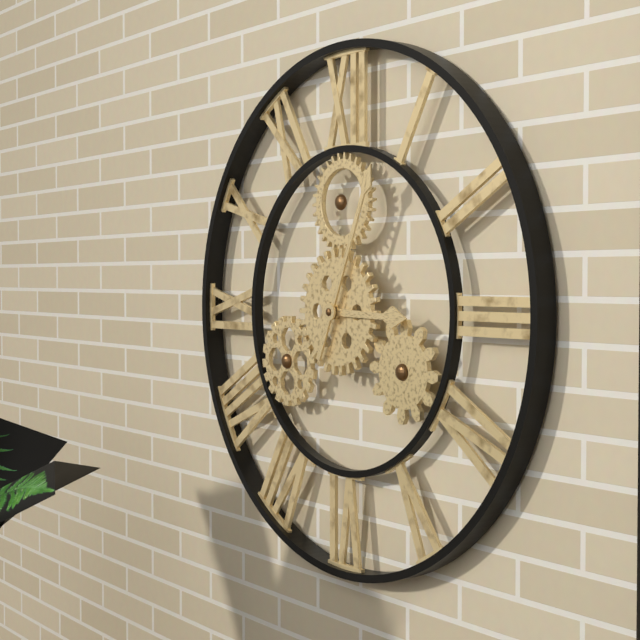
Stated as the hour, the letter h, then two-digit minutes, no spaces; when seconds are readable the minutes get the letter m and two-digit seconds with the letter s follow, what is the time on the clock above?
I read 3h04
